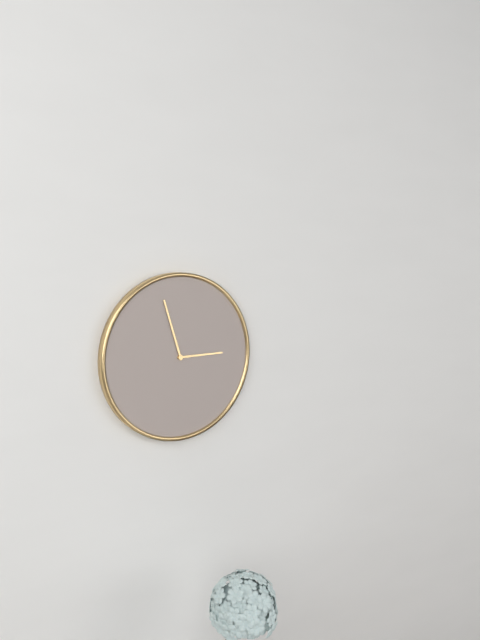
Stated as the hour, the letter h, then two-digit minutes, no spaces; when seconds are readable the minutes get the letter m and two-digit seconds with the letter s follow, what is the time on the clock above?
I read 2h57
